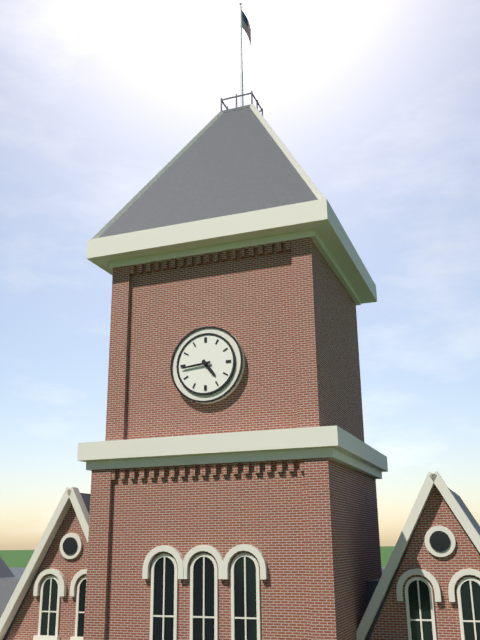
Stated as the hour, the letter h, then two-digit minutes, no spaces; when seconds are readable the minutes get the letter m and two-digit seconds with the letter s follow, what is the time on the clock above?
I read 4h44
